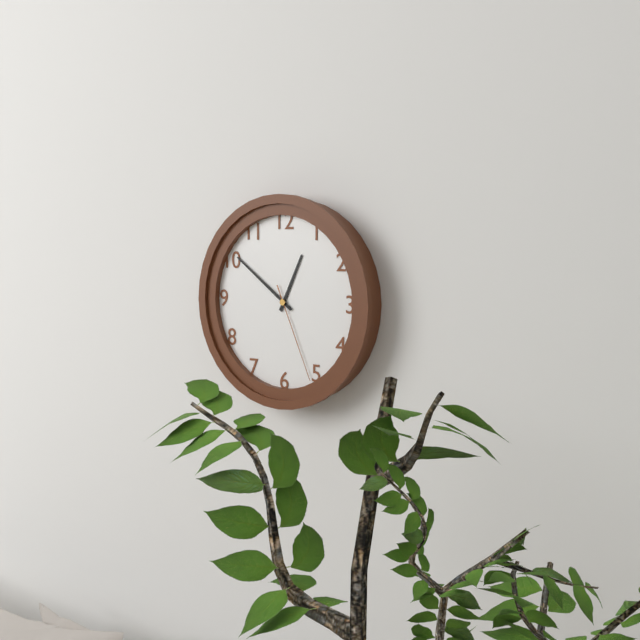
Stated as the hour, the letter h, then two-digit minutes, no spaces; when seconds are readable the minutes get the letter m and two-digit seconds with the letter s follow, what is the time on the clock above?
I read 12h51m26s
